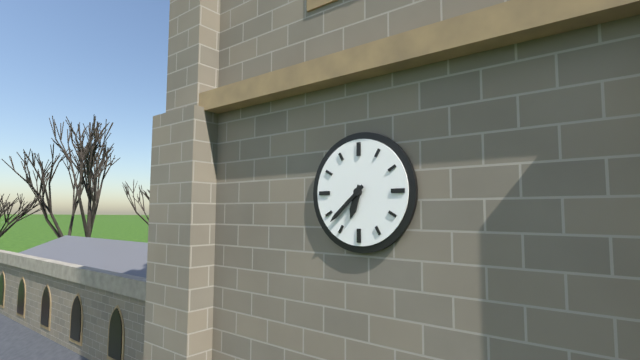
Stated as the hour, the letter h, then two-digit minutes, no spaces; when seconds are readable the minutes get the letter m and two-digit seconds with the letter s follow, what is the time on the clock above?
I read 6h38
